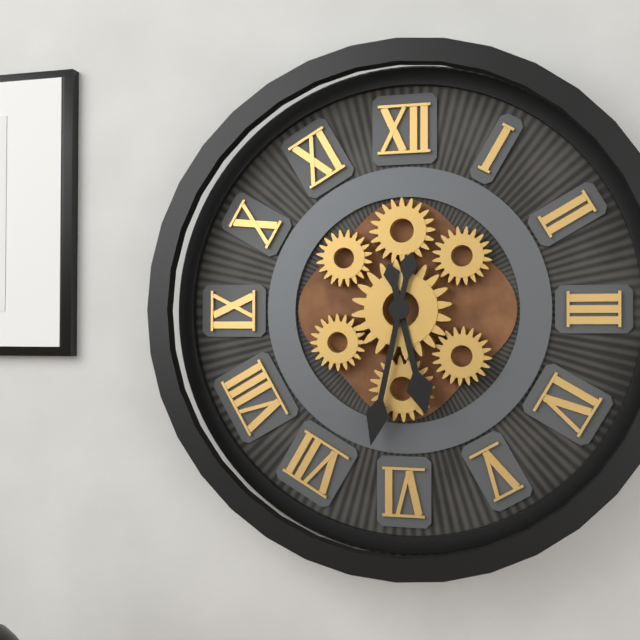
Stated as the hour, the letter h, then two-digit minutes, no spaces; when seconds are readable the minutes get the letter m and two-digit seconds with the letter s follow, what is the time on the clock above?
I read 5h32
